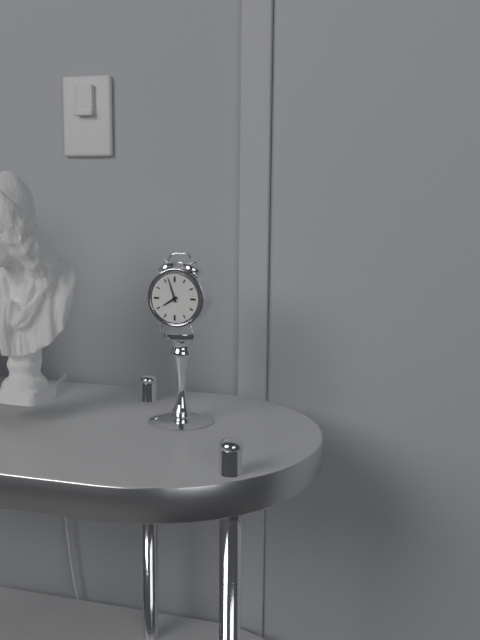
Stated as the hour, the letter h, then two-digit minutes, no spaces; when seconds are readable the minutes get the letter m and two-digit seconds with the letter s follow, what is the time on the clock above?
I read 7h57
